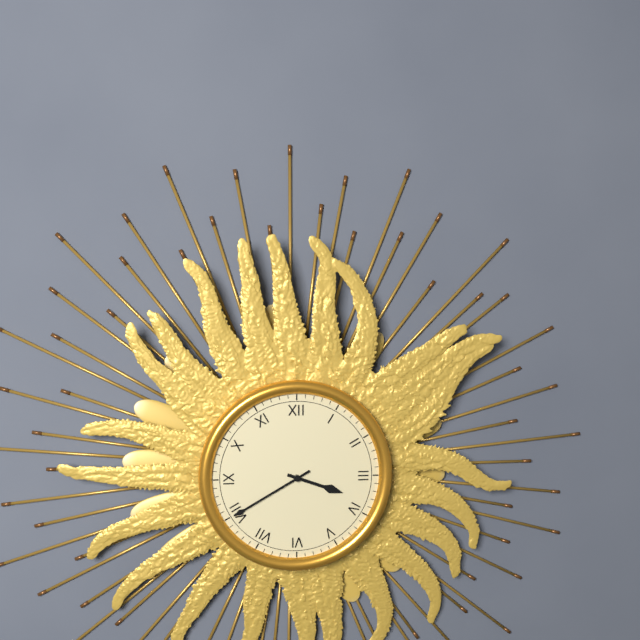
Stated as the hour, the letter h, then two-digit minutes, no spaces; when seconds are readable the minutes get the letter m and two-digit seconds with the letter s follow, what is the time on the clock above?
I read 3h40
